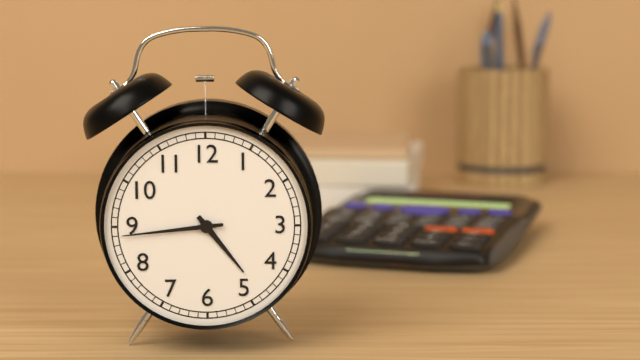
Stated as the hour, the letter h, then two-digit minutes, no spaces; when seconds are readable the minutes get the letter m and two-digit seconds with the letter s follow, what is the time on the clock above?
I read 4h44
